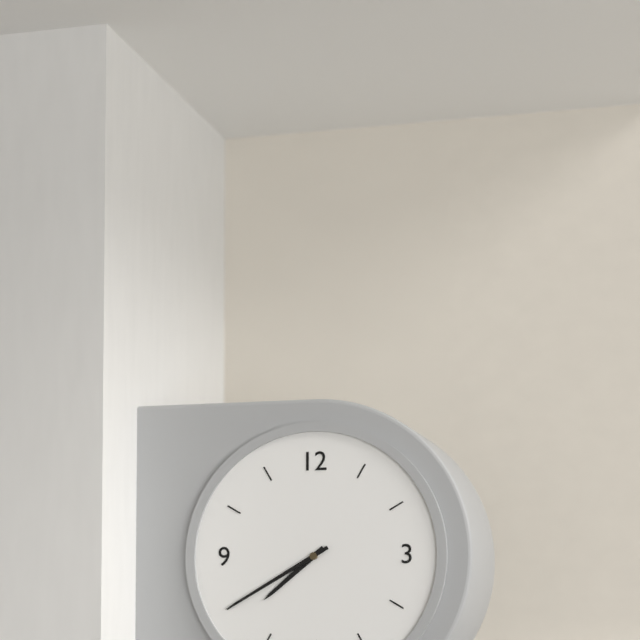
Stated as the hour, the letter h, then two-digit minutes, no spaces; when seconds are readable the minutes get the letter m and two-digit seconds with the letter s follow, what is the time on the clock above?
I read 7h40
